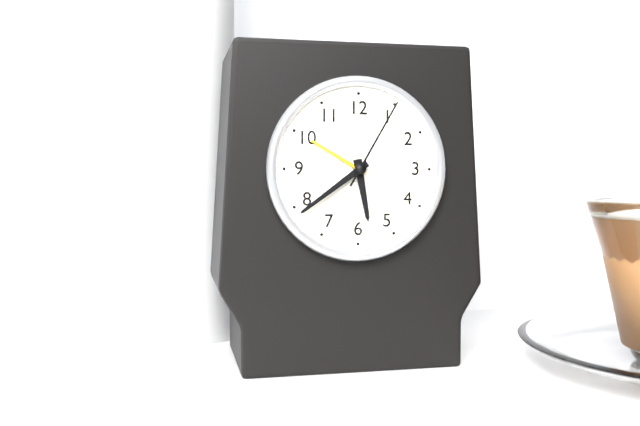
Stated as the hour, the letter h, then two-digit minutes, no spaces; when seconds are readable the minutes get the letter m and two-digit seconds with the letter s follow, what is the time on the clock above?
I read 5h39m05s
